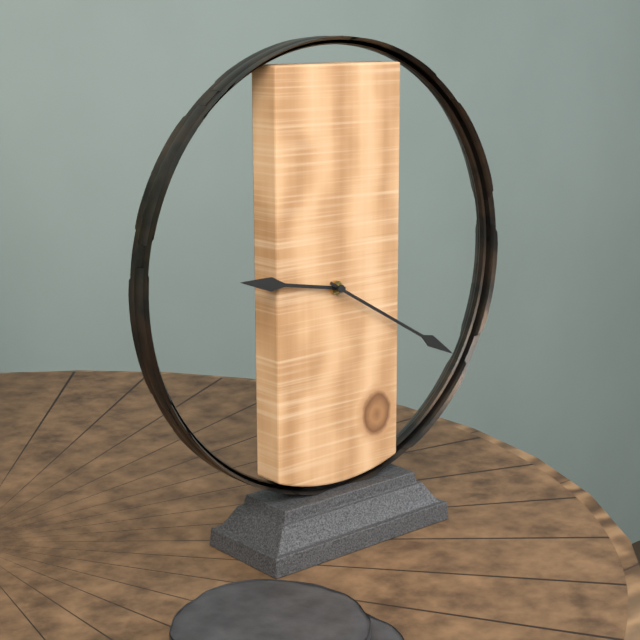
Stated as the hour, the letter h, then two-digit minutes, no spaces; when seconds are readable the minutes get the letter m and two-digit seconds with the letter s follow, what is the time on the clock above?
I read 9h20
